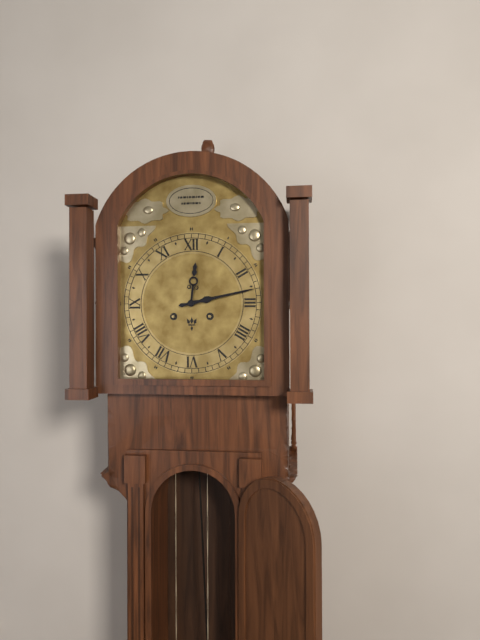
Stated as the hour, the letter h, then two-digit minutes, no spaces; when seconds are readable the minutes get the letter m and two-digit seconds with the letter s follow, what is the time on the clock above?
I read 12h13
